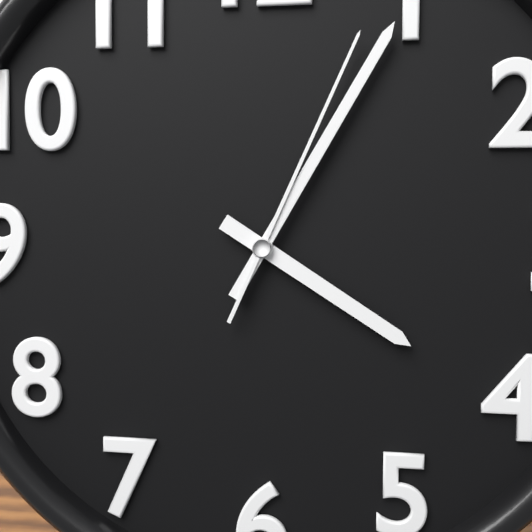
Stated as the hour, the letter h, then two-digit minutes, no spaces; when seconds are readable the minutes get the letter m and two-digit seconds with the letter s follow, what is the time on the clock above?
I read 4h05m04s
